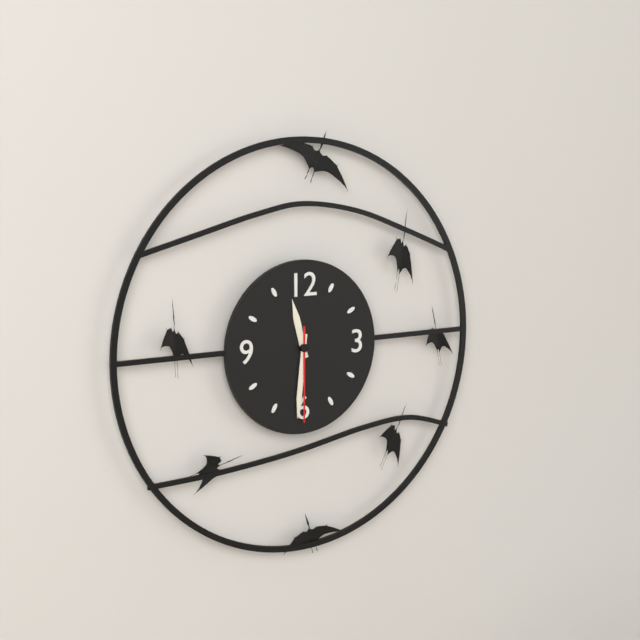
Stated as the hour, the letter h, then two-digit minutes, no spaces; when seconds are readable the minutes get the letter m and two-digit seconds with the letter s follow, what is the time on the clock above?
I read 11h31m30s
